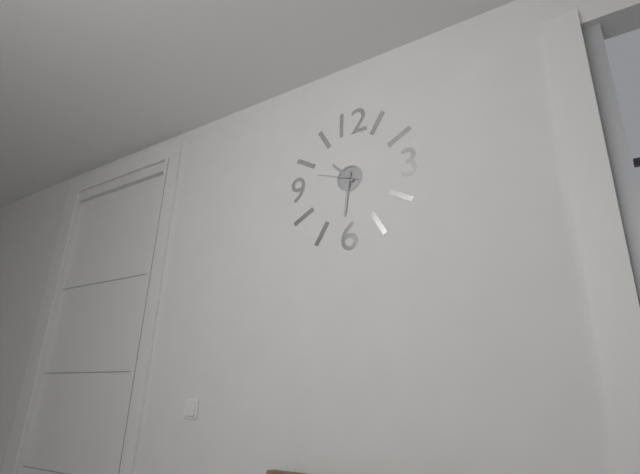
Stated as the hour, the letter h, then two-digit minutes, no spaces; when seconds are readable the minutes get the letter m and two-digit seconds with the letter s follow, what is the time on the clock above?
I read 10h31
